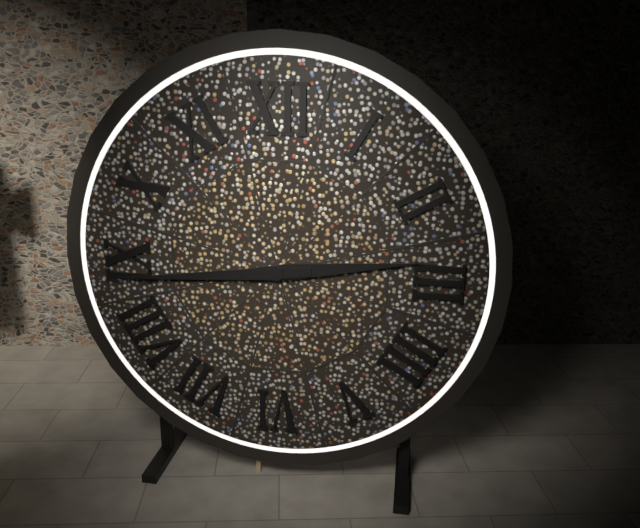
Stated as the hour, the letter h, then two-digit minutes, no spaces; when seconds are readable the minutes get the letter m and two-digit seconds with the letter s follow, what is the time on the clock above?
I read 2h44
